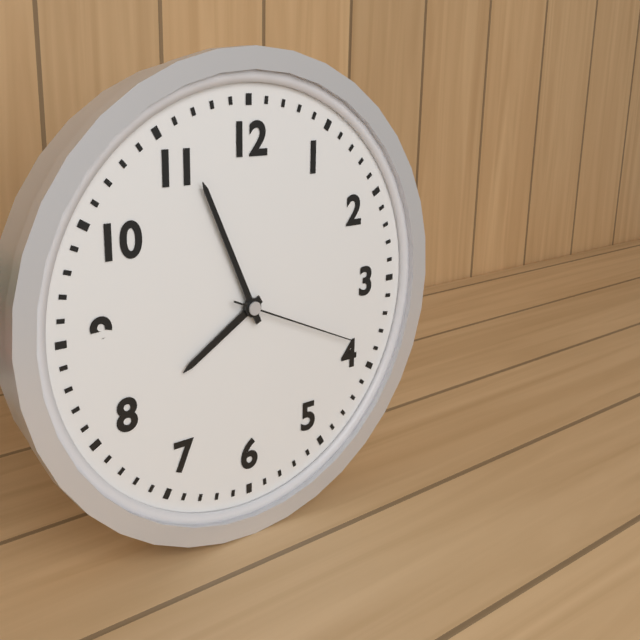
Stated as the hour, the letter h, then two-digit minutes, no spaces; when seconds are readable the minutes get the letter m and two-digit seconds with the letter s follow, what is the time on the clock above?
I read 7h56m19s
